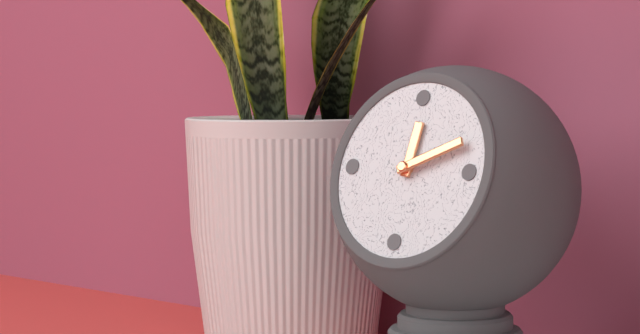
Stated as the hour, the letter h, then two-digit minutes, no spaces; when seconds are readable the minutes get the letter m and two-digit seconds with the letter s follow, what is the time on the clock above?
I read 12h11
